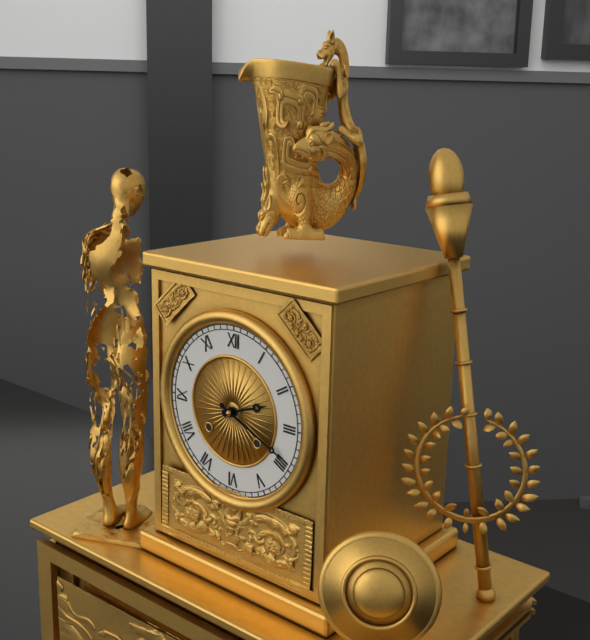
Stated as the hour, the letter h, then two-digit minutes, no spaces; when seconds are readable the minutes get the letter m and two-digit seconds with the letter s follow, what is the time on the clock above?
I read 2h19
